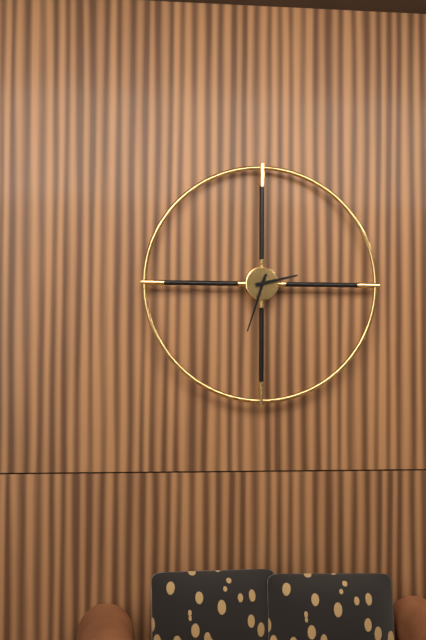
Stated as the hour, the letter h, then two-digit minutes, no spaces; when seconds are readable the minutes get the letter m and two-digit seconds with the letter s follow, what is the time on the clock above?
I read 2h33
